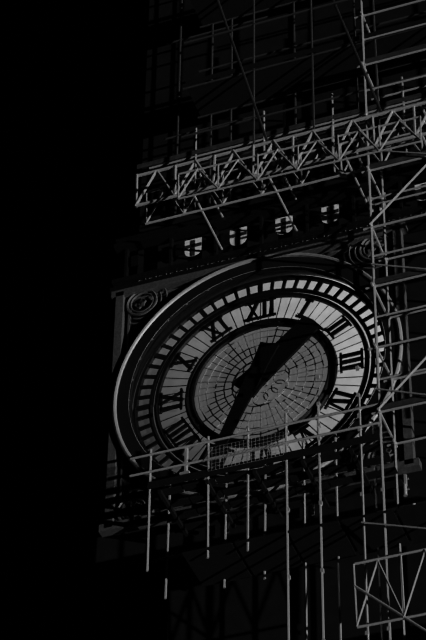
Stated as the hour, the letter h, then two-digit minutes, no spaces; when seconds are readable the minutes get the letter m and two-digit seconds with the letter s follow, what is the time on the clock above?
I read 1h34
